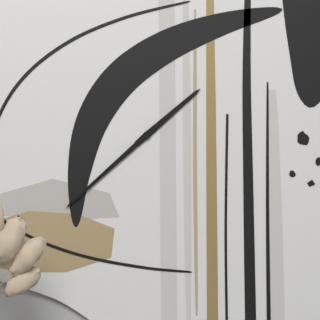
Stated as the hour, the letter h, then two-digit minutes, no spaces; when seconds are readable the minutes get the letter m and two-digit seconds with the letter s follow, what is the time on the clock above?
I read 1h38
